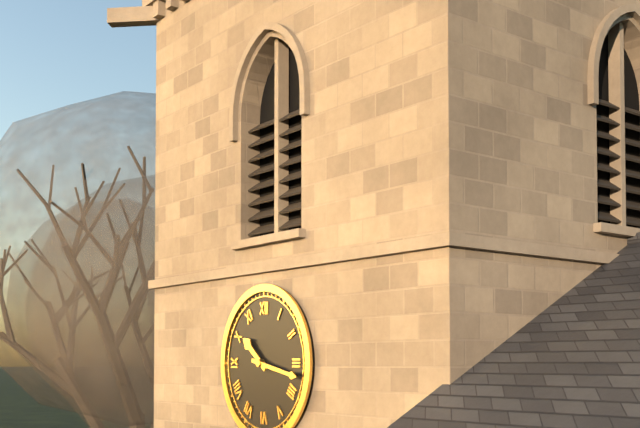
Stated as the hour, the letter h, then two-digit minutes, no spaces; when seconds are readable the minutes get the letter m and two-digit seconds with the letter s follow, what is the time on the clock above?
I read 10h17
